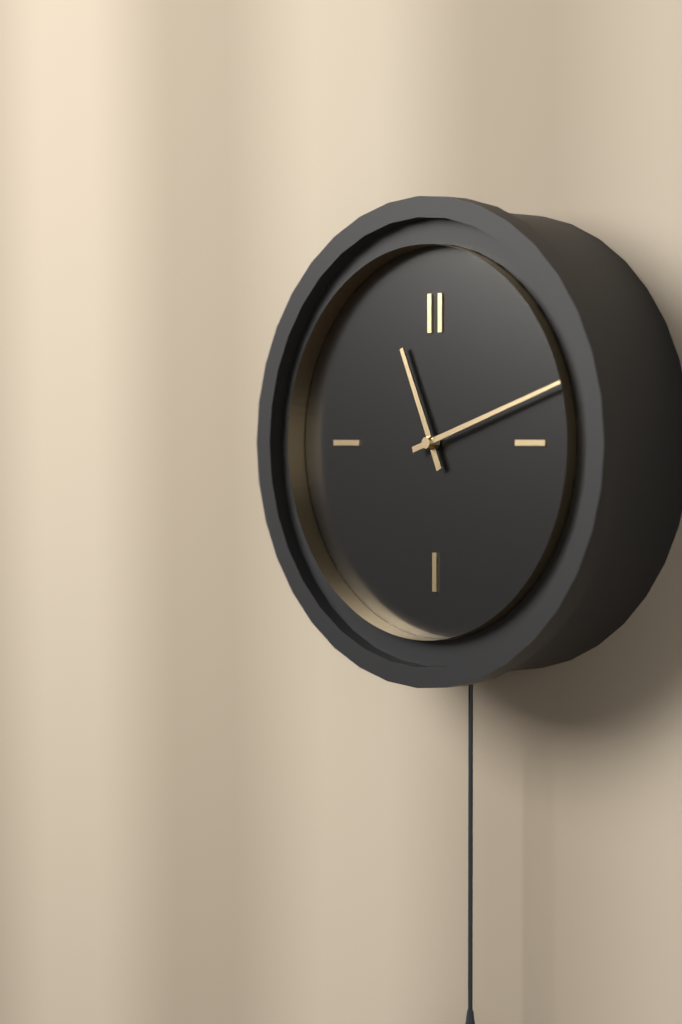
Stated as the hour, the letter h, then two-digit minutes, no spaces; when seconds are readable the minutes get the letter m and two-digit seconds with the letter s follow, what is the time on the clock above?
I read 11h12
